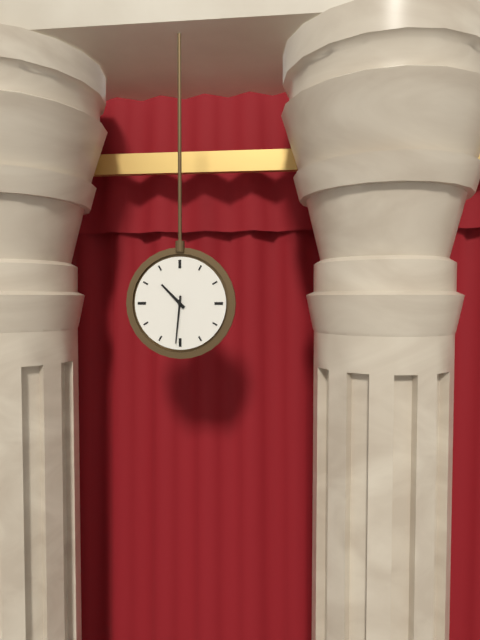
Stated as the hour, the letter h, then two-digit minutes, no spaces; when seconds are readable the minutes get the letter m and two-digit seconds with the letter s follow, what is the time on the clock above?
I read 10h31
